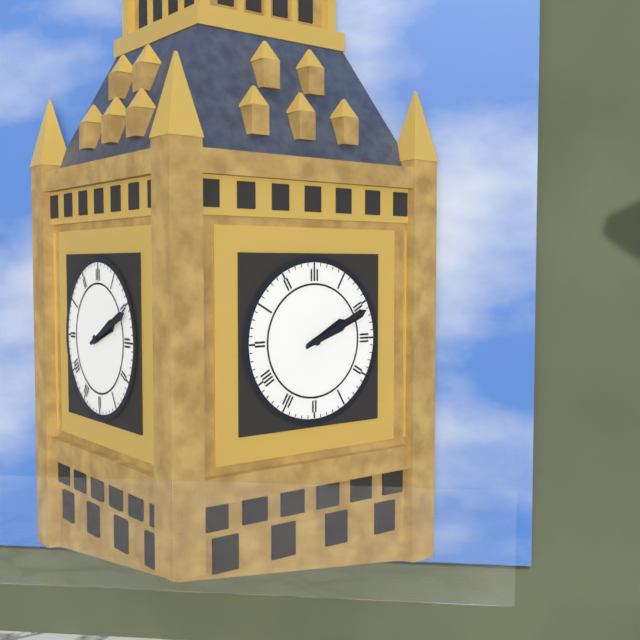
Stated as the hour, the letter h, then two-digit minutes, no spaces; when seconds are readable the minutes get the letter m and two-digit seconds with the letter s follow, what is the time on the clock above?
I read 2h11
